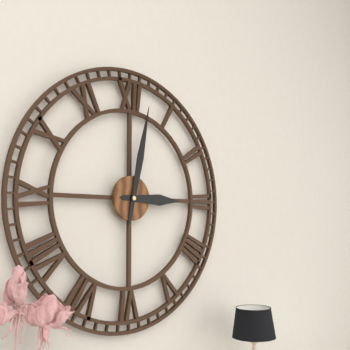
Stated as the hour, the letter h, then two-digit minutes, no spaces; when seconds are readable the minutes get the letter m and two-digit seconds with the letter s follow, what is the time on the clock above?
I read 3h02
